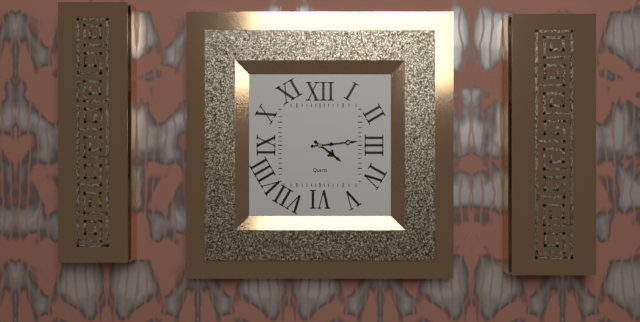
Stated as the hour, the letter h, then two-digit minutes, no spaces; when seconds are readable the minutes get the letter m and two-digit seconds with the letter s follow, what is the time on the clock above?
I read 4h14
